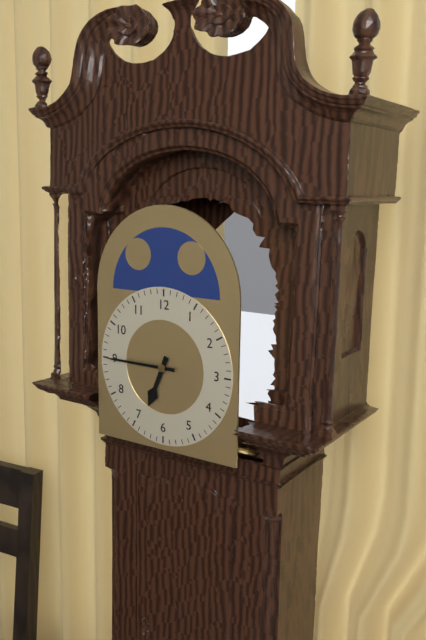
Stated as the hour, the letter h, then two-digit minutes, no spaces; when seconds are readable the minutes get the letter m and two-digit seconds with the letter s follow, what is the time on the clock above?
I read 6h45
